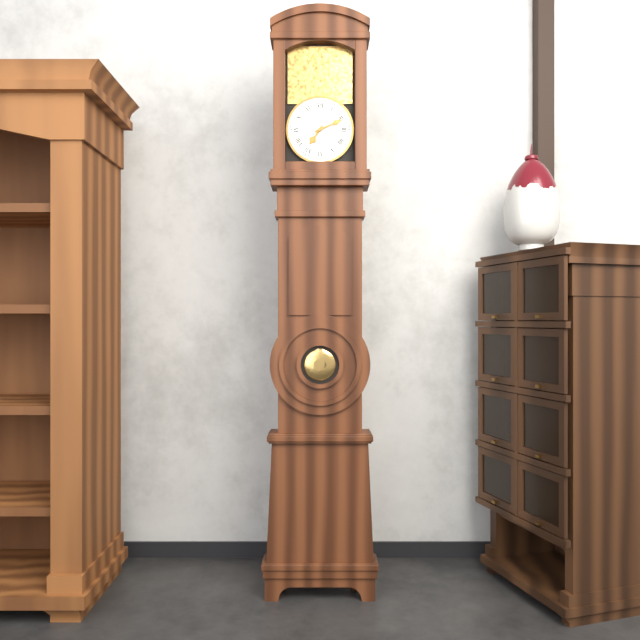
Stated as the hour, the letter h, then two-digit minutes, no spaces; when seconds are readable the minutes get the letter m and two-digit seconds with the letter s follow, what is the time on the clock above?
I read 7h11
